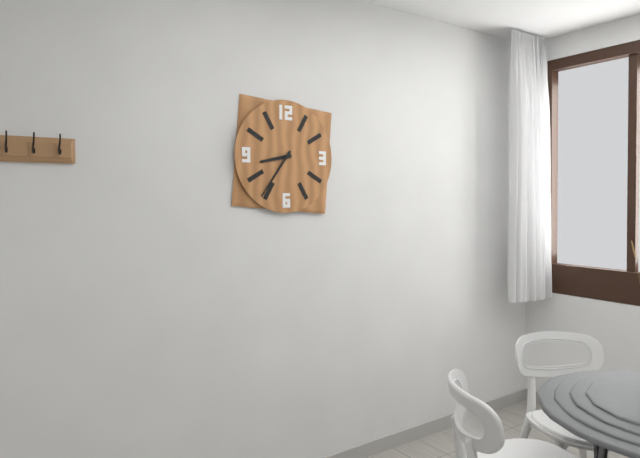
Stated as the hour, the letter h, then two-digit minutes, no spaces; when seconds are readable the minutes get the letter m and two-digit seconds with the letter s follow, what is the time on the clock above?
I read 8h36
